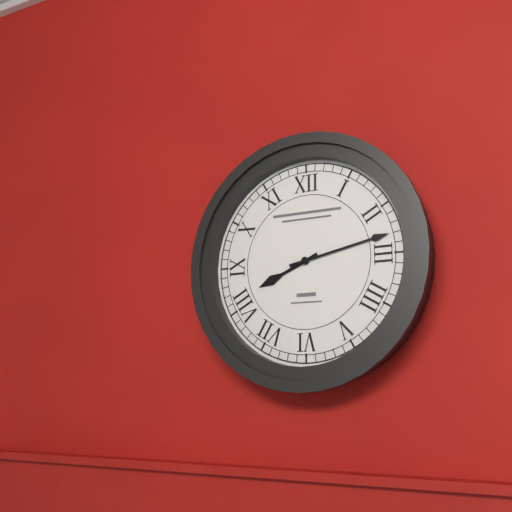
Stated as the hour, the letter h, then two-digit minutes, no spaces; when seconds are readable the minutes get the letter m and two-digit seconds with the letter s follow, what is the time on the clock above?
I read 8h13
